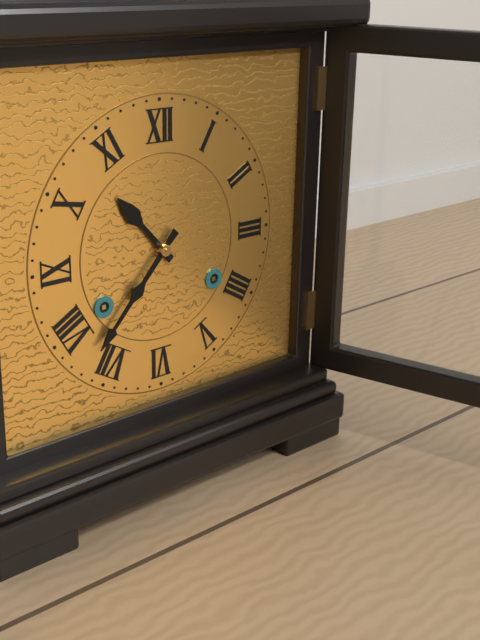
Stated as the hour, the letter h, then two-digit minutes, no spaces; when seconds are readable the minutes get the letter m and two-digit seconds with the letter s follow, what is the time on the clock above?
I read 10h37
